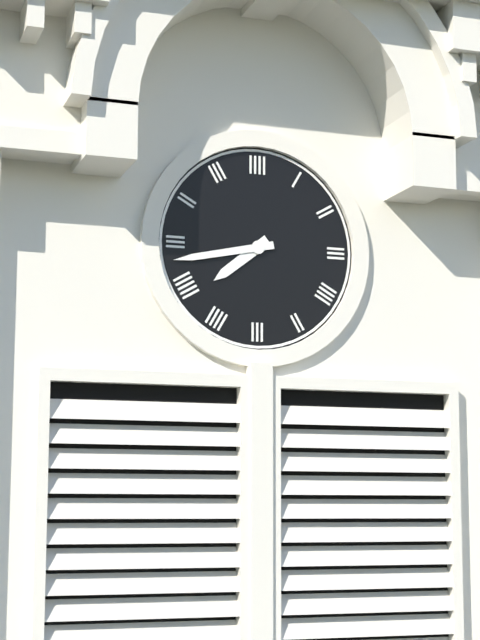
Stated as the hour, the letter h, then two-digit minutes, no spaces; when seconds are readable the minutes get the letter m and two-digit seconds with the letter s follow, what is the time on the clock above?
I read 7h43
